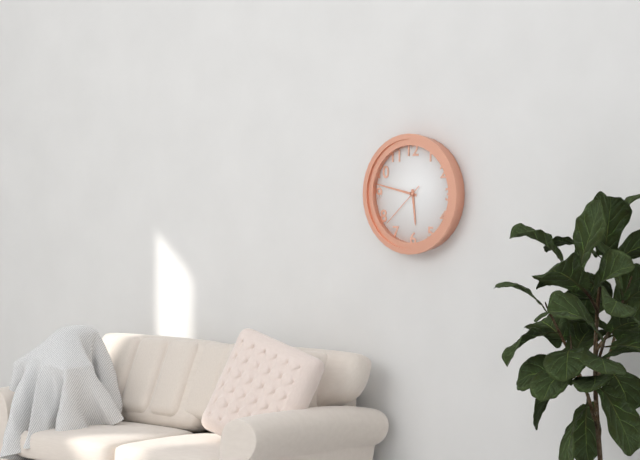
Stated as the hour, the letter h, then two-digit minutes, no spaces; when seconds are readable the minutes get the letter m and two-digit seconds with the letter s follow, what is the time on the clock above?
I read 5h47
